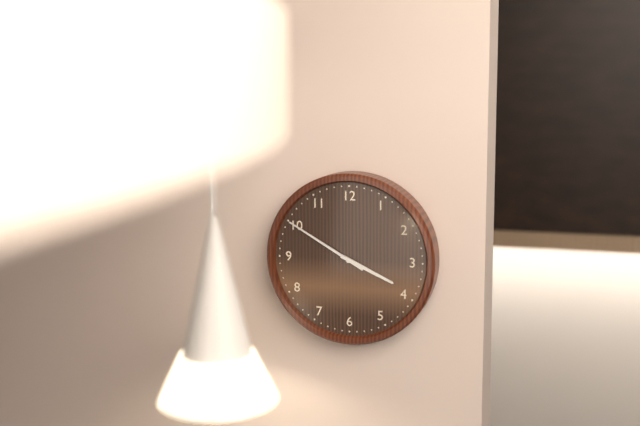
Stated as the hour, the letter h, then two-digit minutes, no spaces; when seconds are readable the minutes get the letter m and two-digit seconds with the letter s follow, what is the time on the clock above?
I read 3h50
